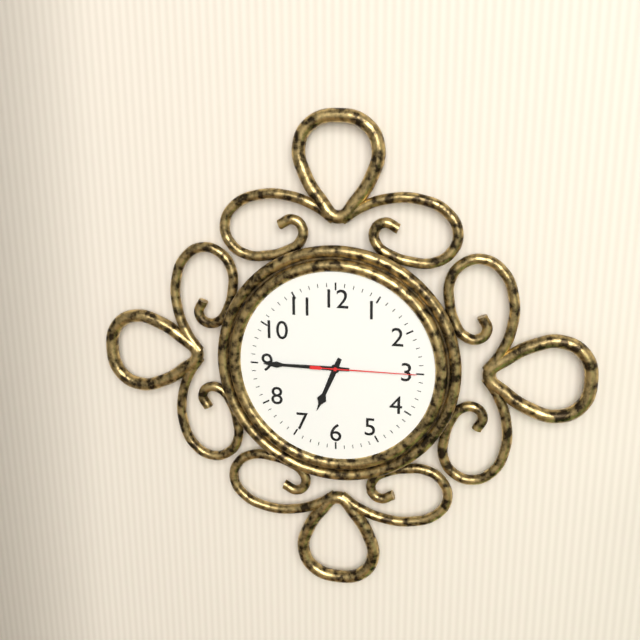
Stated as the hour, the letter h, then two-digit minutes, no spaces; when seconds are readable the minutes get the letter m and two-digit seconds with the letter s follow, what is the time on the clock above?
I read 6h45m15s
